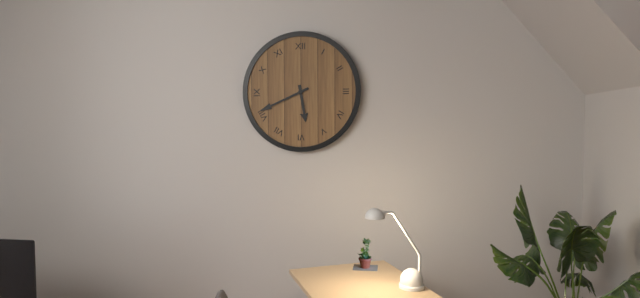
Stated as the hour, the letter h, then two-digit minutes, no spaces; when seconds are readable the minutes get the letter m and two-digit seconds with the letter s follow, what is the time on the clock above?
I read 5h41
